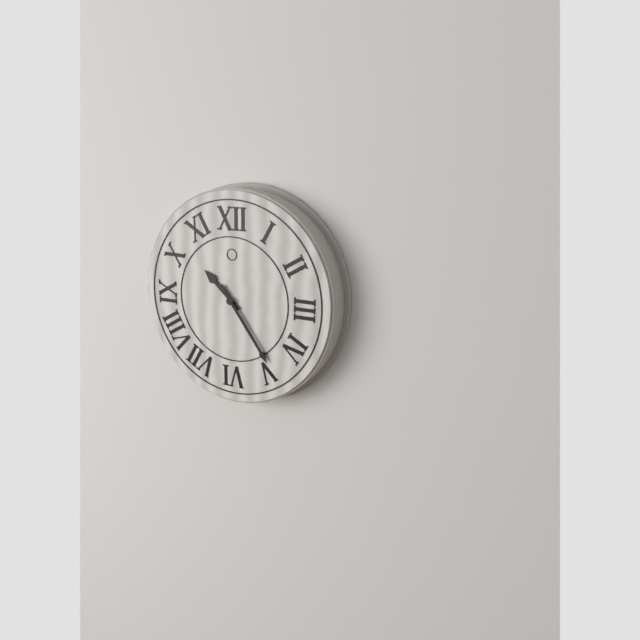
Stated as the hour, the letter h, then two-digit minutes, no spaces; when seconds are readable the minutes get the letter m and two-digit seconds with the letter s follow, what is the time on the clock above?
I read 10h24
